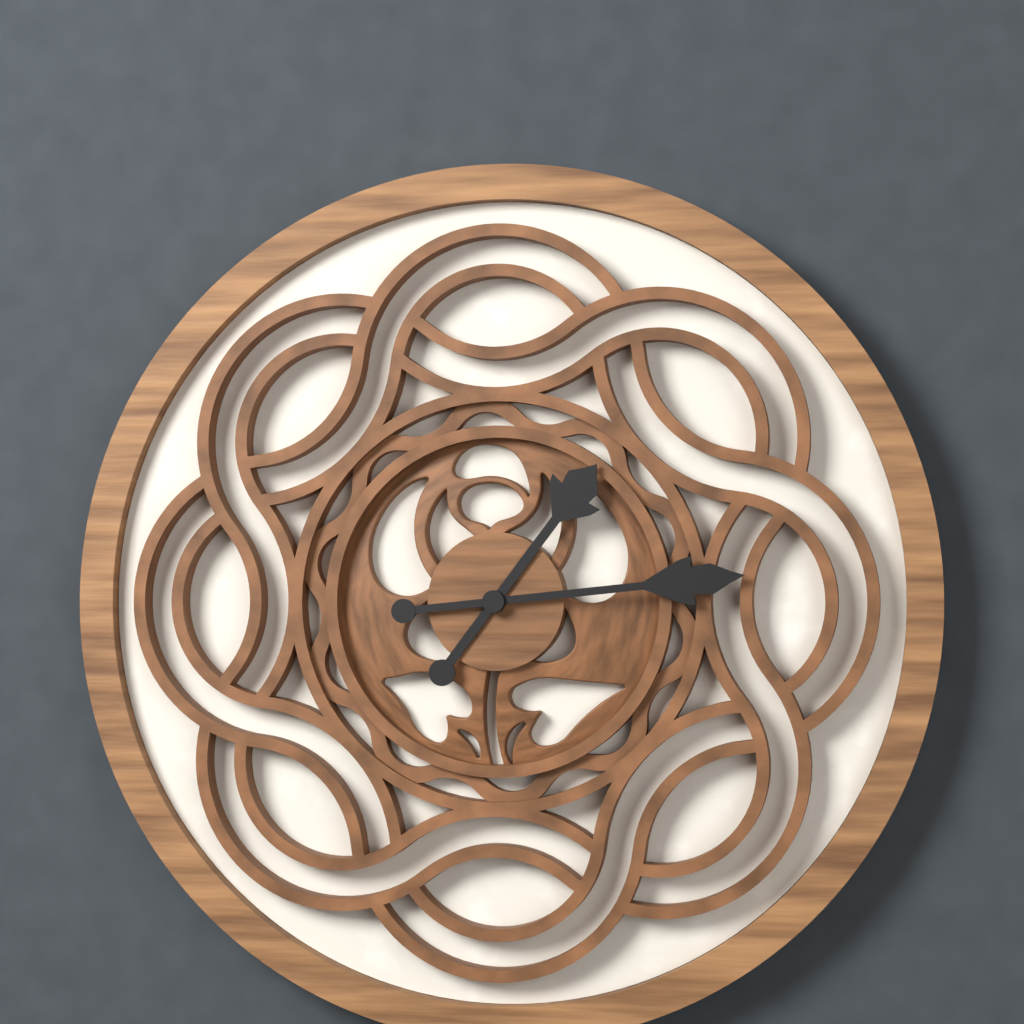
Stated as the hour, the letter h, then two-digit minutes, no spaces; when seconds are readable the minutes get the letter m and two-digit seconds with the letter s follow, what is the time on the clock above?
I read 1h14
